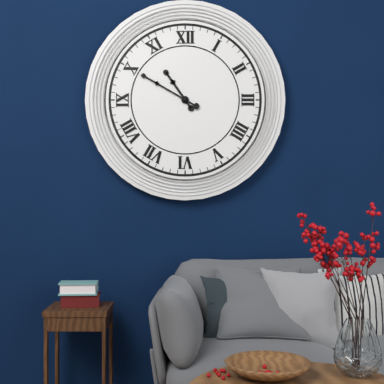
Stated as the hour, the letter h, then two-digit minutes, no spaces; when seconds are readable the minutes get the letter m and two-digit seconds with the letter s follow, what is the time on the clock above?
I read 10h50
